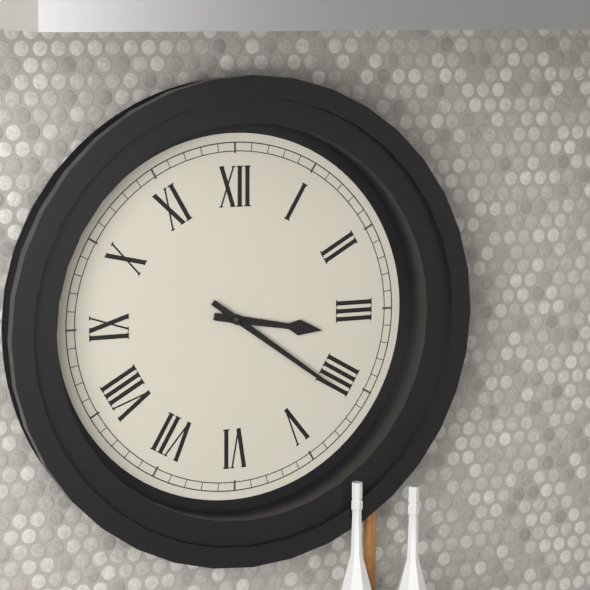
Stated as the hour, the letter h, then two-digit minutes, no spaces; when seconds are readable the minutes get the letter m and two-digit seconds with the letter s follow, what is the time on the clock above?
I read 3h21
